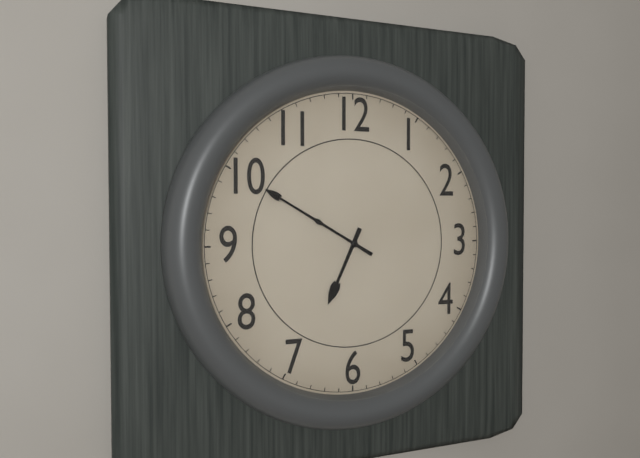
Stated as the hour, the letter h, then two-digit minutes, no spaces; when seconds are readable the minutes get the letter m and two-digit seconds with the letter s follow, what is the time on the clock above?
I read 6h50
